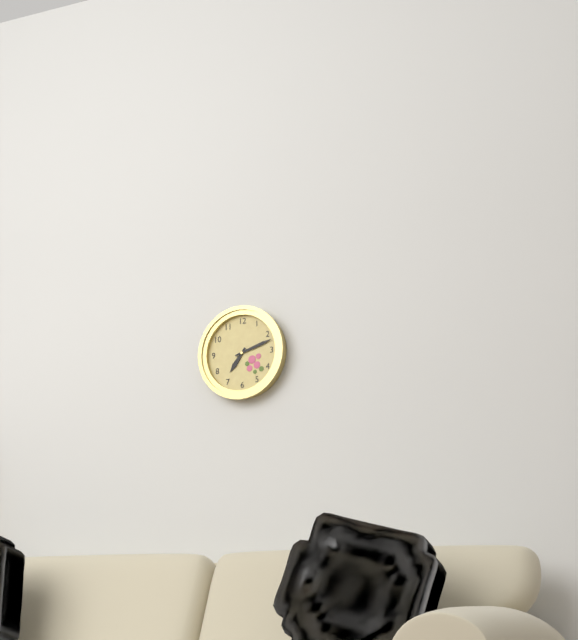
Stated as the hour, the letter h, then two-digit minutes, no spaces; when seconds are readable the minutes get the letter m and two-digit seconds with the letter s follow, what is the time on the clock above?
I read 7h12
